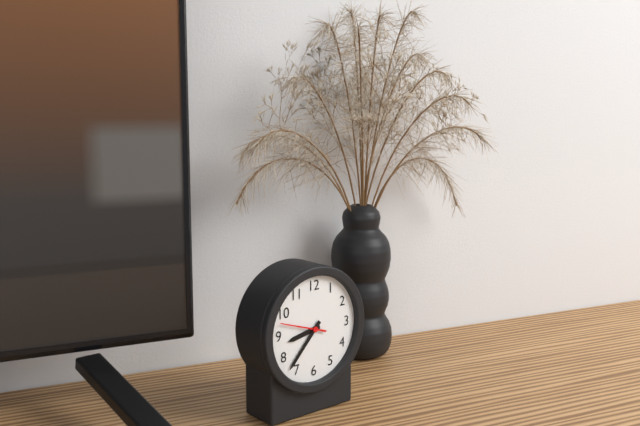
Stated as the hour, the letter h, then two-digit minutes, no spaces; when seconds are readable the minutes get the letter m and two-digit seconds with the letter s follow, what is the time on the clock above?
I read 8h37
